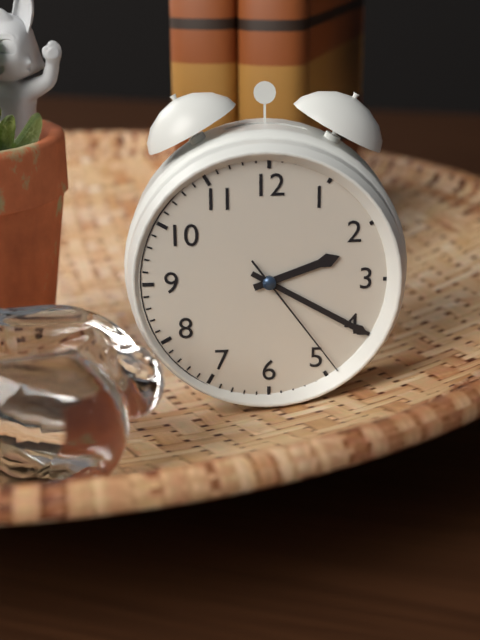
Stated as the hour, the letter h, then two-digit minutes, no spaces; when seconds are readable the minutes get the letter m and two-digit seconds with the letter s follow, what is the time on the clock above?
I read 2h20m24s
